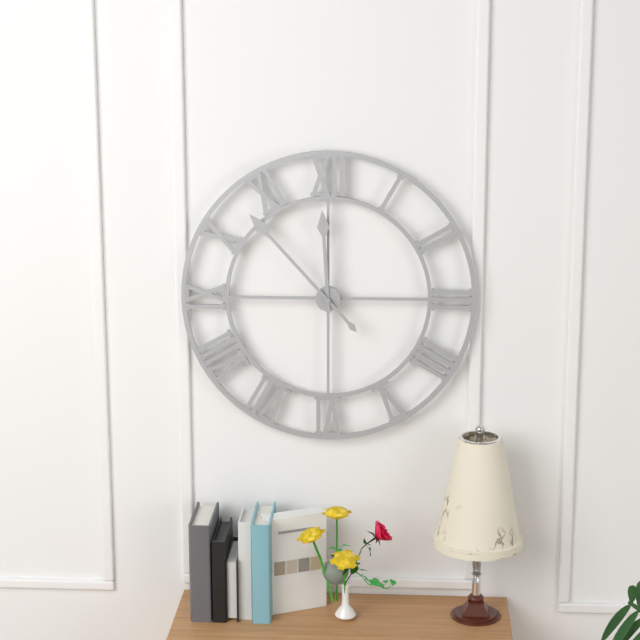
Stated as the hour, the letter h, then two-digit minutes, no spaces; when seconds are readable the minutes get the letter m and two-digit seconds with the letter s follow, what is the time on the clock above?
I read 11h53
